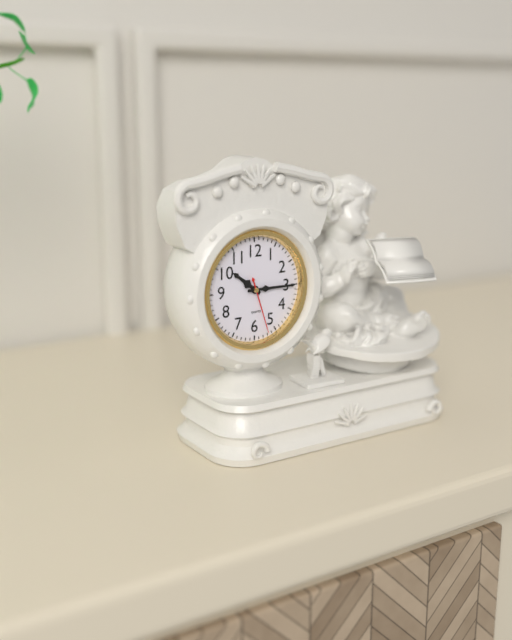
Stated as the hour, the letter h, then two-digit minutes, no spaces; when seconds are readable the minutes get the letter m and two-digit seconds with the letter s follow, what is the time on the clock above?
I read 10h15m27s
